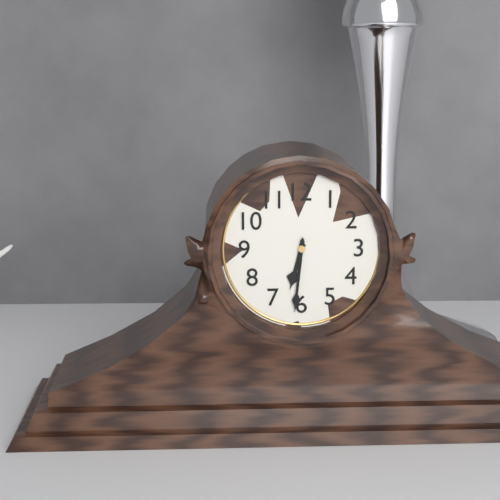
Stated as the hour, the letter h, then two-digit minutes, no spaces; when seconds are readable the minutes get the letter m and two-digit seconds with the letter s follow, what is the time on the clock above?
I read 6h31
